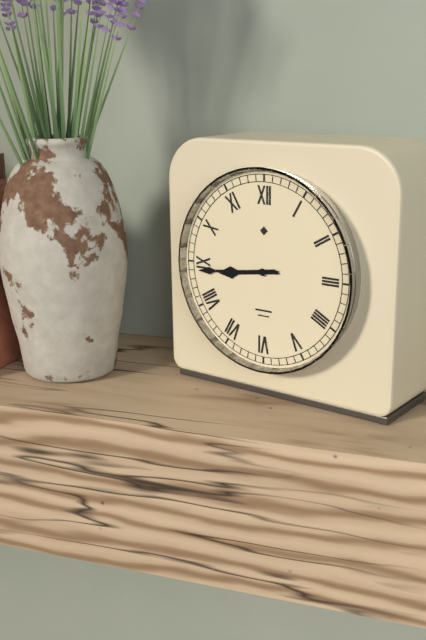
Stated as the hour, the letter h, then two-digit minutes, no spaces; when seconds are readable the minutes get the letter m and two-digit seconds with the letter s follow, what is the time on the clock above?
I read 8h44
